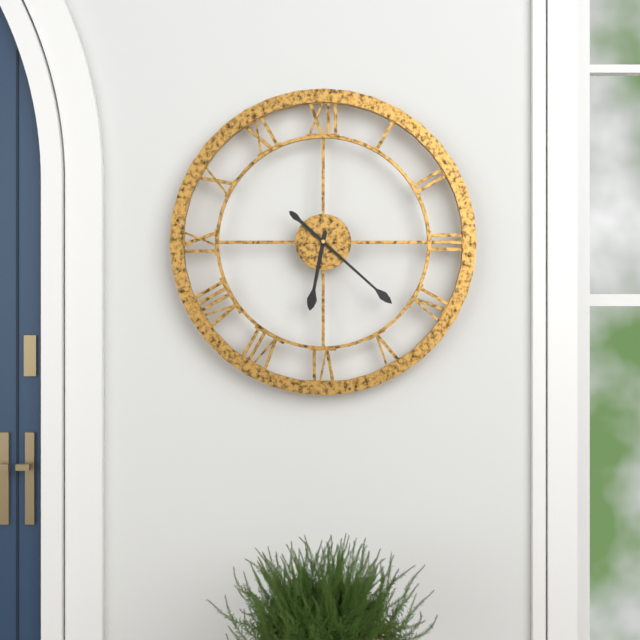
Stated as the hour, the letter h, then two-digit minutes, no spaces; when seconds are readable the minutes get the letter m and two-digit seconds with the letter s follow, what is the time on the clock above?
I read 6h22
